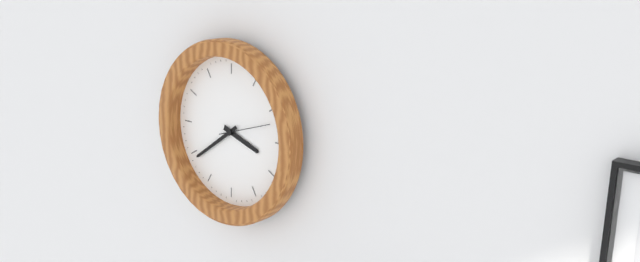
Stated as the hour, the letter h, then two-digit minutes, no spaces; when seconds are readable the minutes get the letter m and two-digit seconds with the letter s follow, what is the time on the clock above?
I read 3h39m12s
